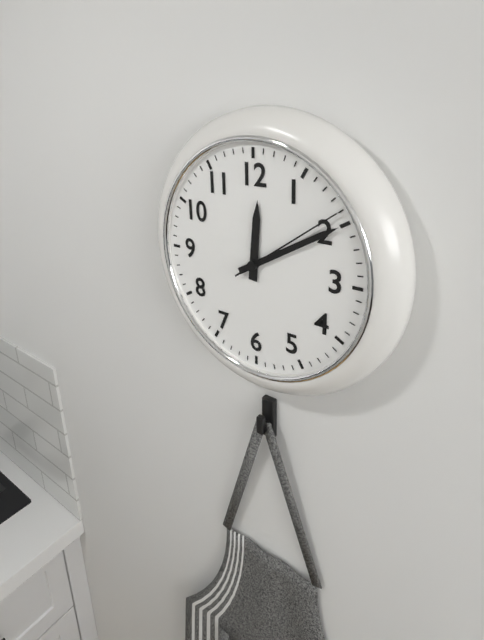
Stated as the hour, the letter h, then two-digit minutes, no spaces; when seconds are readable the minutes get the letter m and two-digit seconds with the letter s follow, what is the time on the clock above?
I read 12h10m09s
